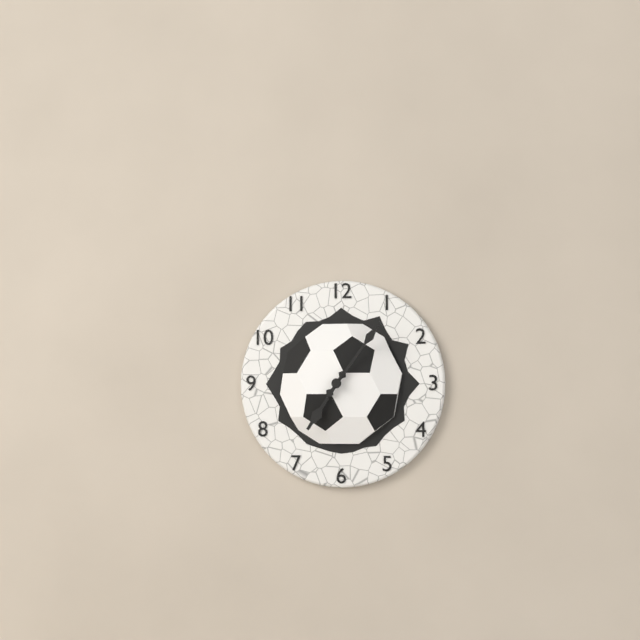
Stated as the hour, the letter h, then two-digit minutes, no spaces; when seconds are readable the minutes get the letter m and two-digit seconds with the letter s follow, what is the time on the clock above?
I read 7h06
